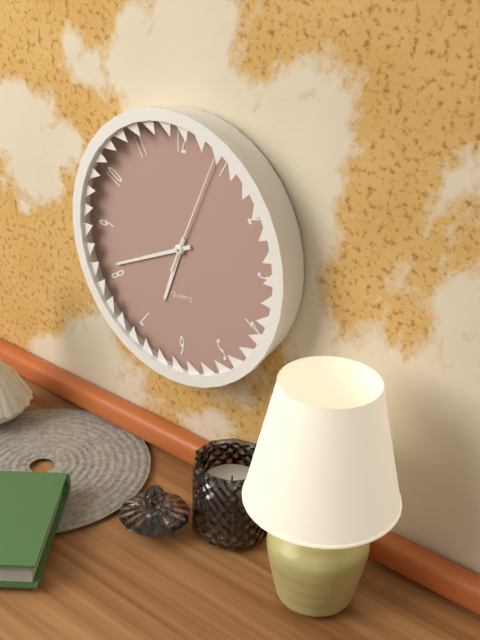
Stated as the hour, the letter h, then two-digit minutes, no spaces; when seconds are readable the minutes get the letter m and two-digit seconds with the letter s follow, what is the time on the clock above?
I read 6h41m04s
